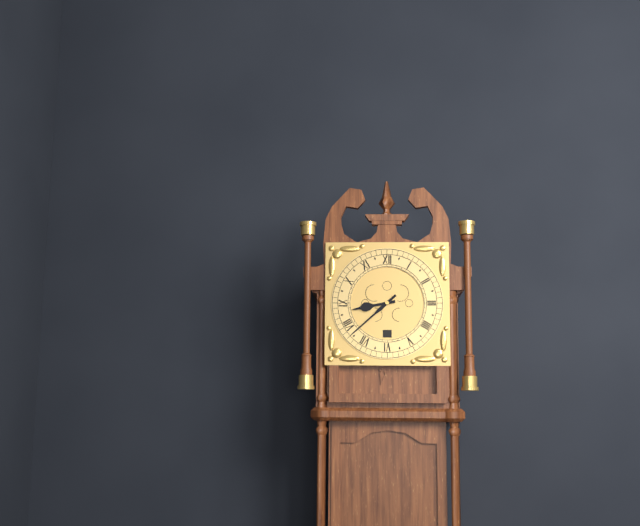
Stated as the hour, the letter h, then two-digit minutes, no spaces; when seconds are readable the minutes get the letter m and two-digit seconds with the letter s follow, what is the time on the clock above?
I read 8h38
